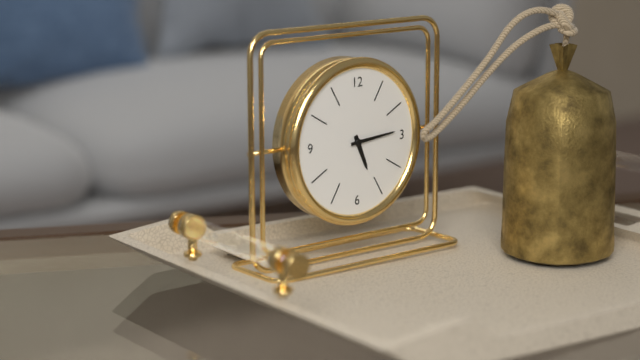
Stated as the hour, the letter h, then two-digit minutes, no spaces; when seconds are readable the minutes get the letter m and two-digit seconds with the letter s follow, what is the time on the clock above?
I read 5h14
